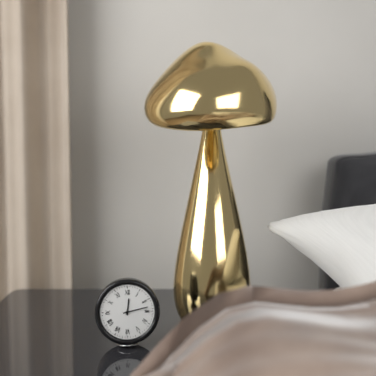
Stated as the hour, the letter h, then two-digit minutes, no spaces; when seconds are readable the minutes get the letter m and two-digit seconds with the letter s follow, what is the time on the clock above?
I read 12h13
